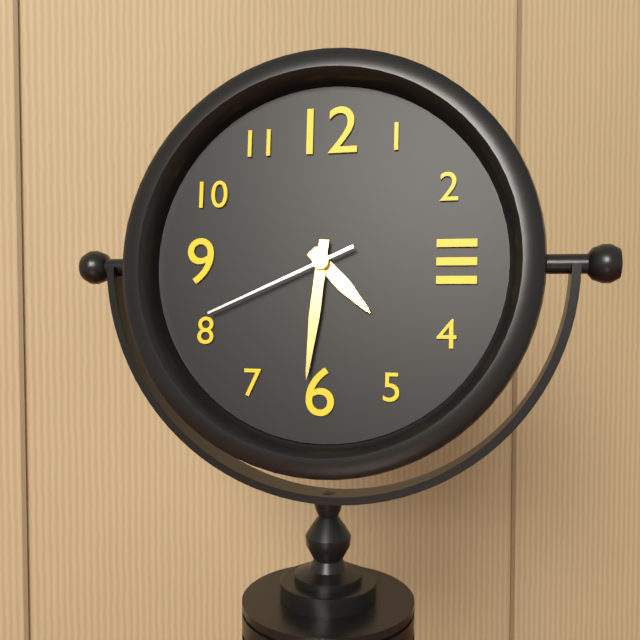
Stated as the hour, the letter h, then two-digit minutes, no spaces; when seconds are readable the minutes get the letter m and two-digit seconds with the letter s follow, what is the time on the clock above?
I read 4h31m41s
